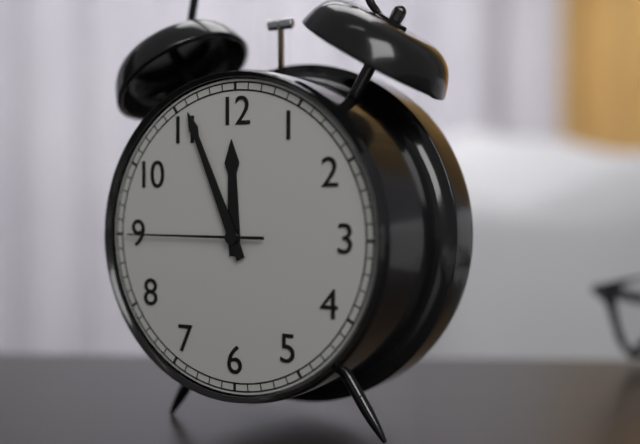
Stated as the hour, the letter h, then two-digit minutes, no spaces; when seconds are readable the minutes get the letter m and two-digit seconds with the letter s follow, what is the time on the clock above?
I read 11h56m45s
